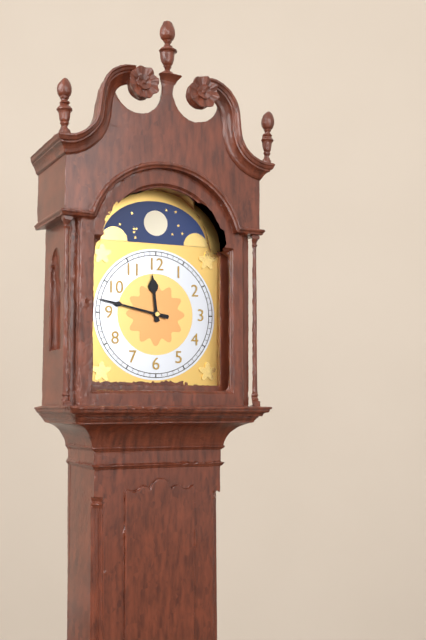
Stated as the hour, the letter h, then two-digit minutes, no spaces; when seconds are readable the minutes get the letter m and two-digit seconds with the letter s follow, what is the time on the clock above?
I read 11h47
